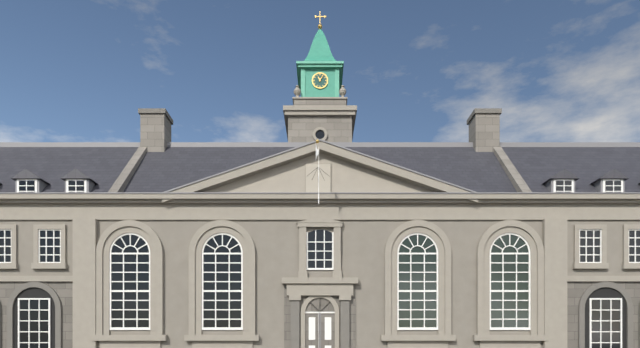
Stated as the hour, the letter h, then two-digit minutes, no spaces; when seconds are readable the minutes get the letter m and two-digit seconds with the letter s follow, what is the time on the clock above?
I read 11h05
